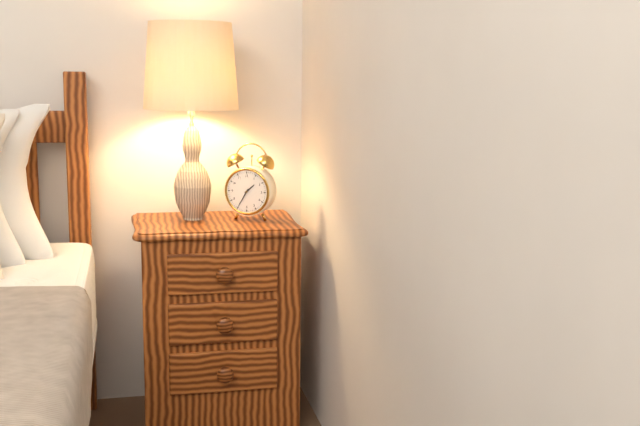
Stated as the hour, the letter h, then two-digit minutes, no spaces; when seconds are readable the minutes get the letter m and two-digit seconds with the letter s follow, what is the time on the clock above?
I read 1h35
